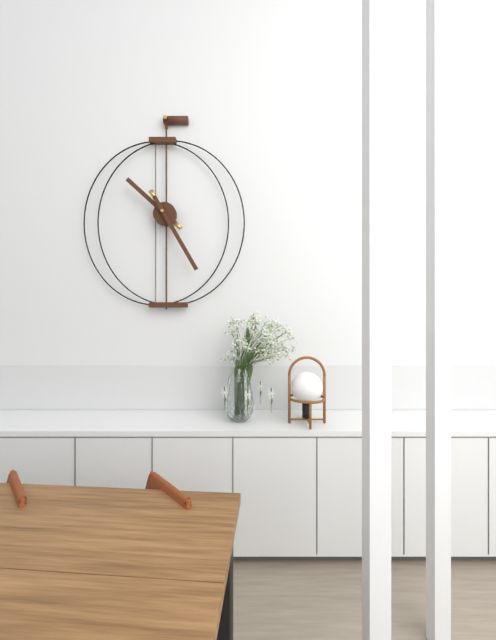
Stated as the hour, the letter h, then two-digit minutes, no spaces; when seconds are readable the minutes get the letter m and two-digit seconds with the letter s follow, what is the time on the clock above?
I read 10h25
